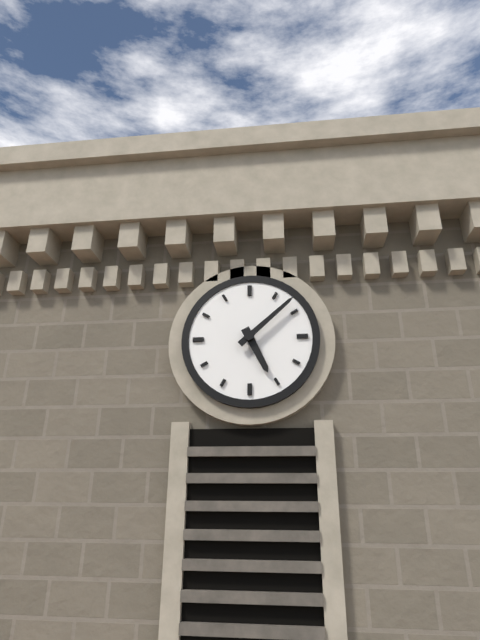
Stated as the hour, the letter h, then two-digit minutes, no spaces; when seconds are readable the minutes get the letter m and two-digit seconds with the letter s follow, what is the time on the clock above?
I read 5h08
